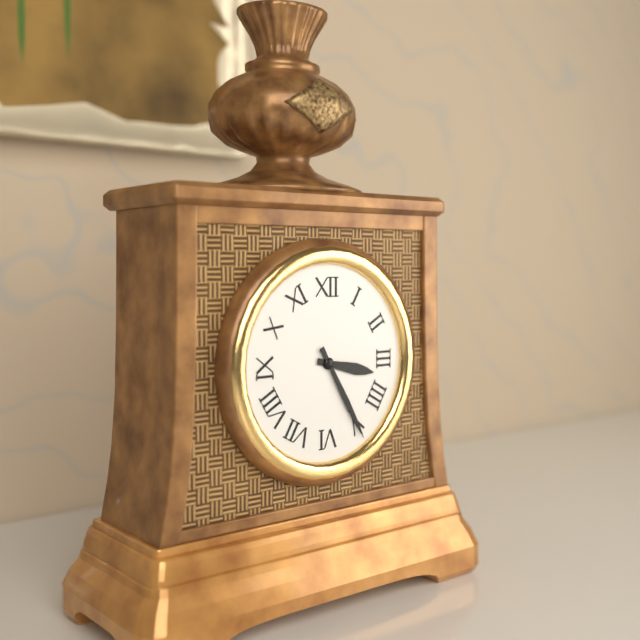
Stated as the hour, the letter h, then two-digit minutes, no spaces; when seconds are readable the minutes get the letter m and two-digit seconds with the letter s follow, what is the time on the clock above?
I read 3h25
